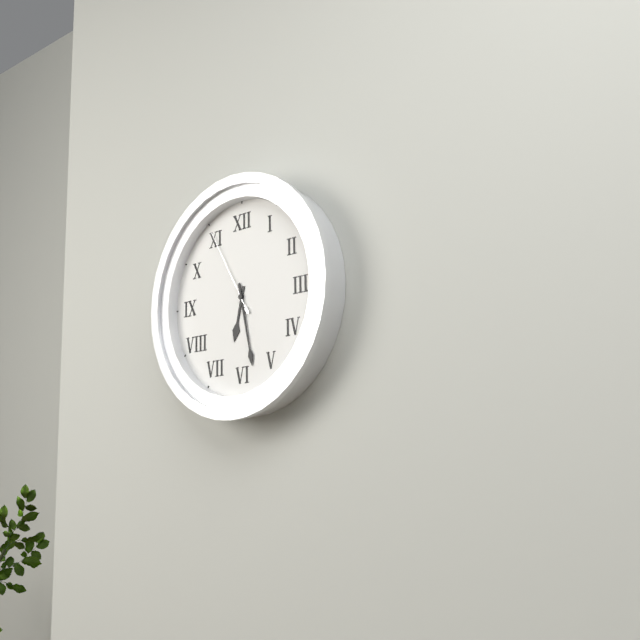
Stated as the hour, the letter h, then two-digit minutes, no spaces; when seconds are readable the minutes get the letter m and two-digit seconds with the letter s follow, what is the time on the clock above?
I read 6h28m55s
